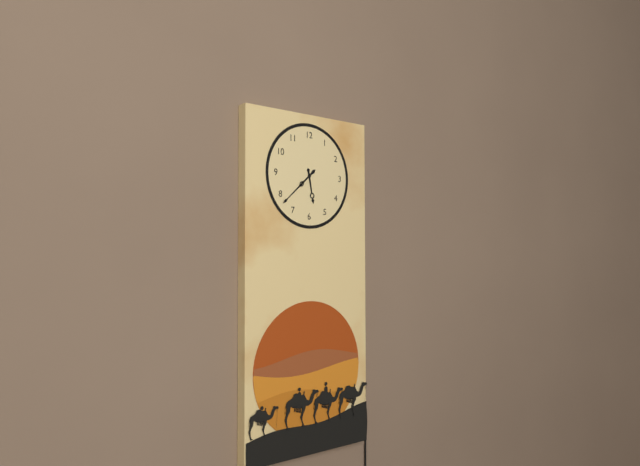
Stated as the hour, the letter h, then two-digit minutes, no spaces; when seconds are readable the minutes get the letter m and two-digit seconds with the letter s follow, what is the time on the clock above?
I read 5h38
